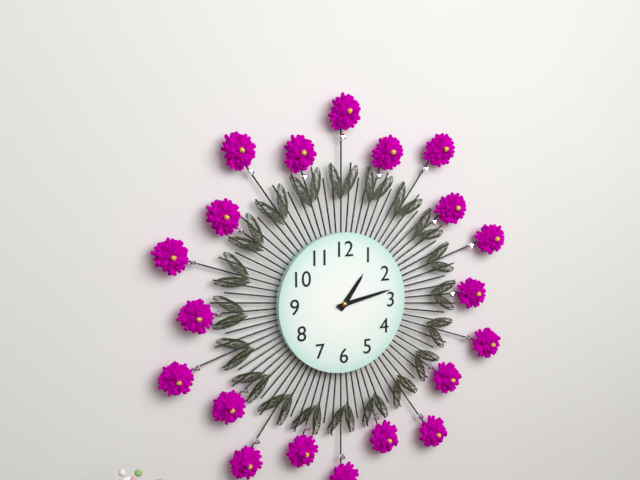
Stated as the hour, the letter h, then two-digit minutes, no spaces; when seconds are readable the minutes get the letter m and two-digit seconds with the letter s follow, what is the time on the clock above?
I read 1h13
